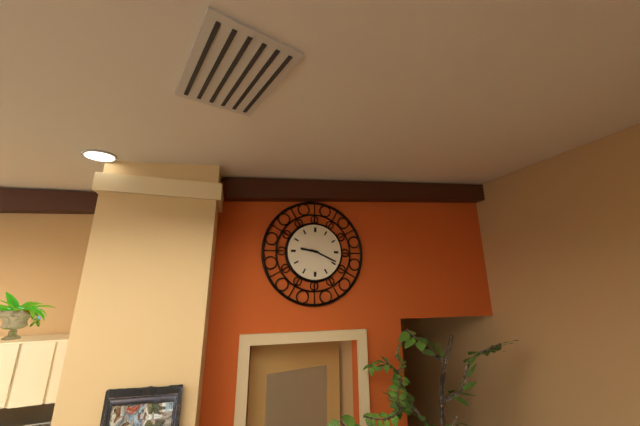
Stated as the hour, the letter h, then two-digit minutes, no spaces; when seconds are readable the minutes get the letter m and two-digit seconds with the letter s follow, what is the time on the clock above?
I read 9h19
